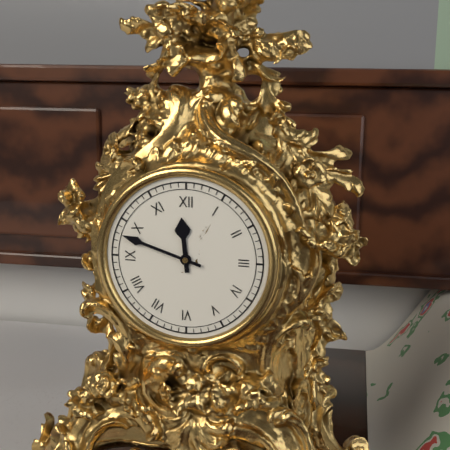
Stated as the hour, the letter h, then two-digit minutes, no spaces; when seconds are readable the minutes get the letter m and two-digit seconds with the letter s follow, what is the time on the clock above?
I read 11h48
